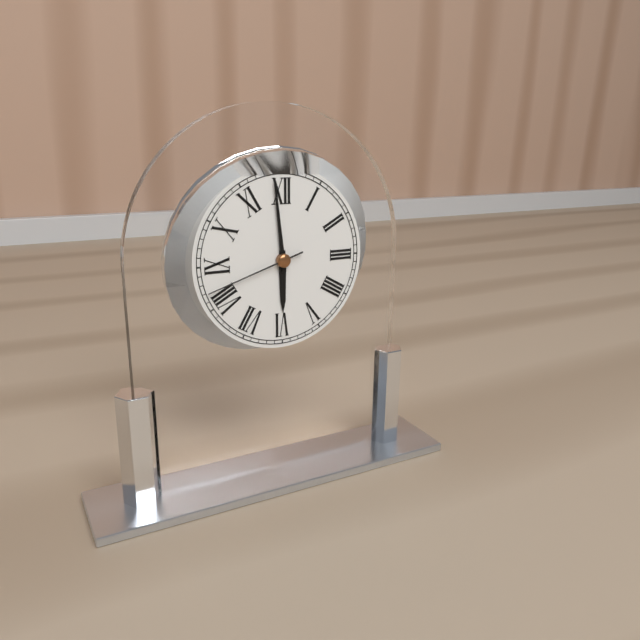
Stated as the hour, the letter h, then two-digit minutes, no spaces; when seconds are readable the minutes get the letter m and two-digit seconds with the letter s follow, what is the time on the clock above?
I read 5h59m42s
